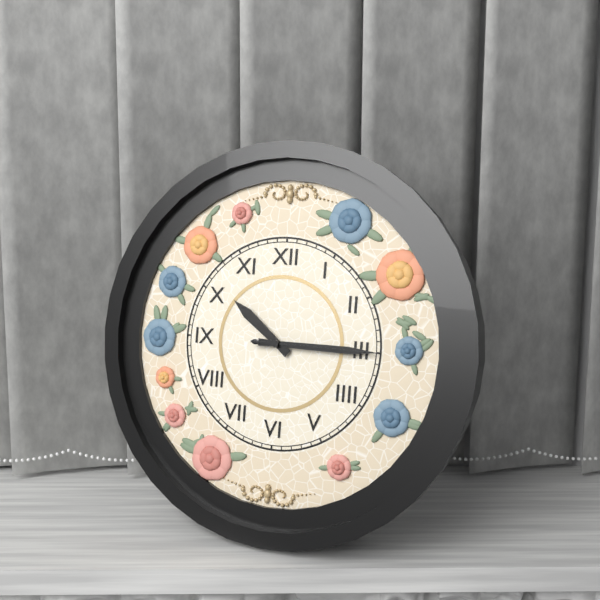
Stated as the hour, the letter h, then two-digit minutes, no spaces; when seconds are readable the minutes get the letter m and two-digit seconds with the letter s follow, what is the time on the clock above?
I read 10h15m15s
